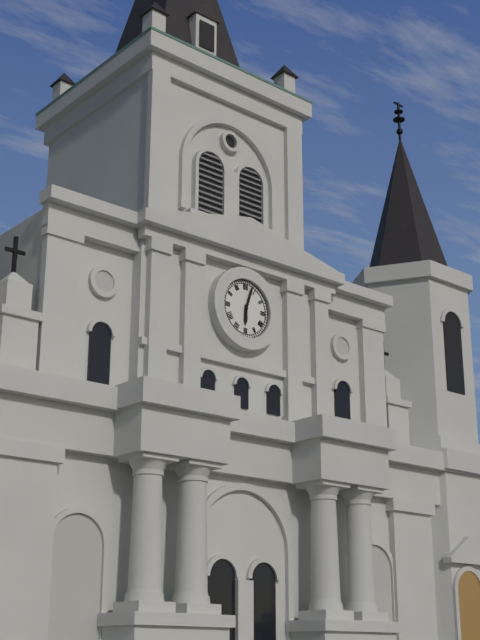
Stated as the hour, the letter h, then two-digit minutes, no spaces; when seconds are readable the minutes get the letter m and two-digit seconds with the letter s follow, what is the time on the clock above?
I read 6h03
